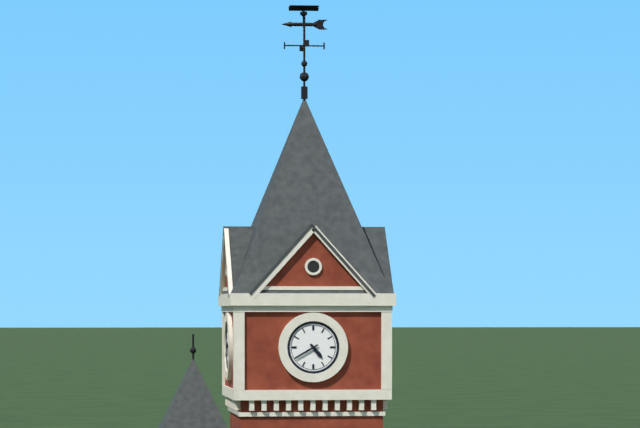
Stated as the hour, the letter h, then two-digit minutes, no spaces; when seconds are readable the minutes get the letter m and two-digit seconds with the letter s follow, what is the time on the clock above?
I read 4h40
